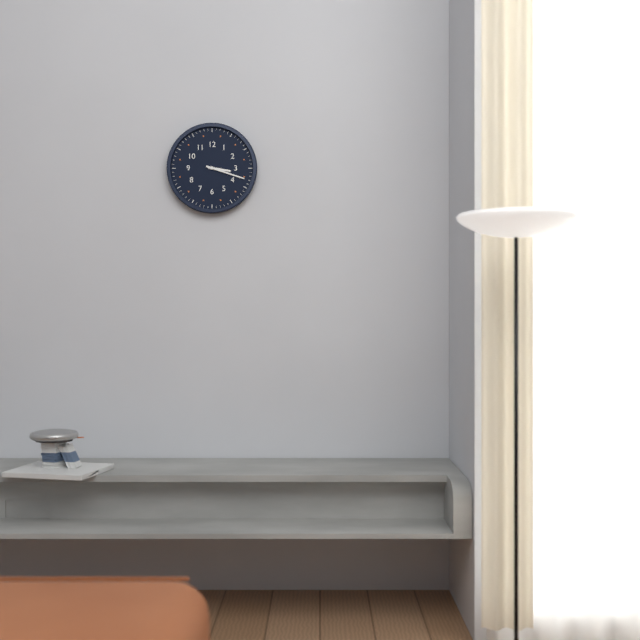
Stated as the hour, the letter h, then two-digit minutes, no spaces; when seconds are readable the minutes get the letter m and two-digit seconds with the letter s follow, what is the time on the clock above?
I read 3h18
